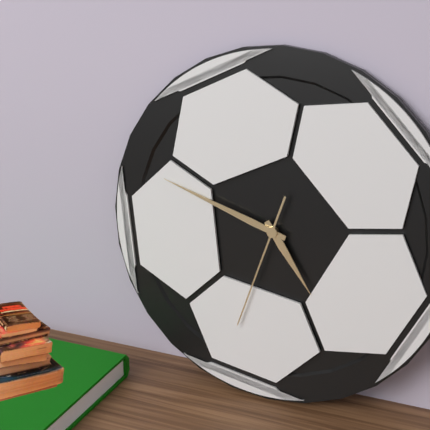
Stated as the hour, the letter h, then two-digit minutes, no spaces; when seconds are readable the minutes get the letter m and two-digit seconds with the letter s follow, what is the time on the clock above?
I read 4h48m33s
